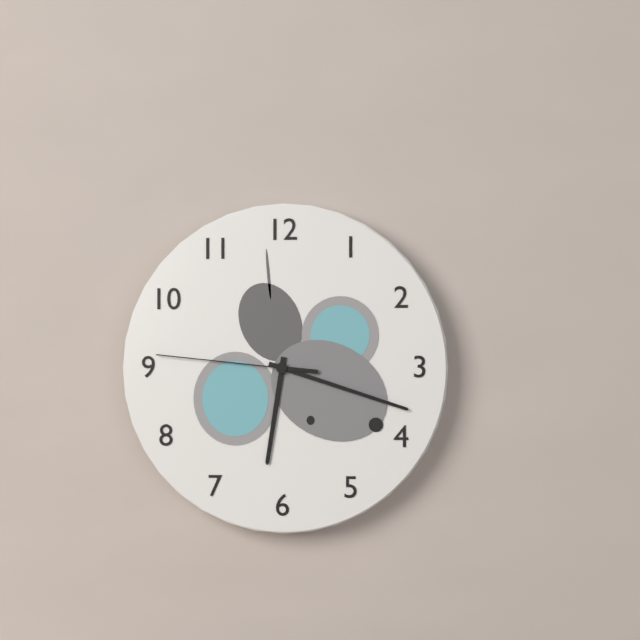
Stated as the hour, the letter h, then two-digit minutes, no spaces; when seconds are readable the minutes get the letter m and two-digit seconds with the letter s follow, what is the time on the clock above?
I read 6h18m46s
